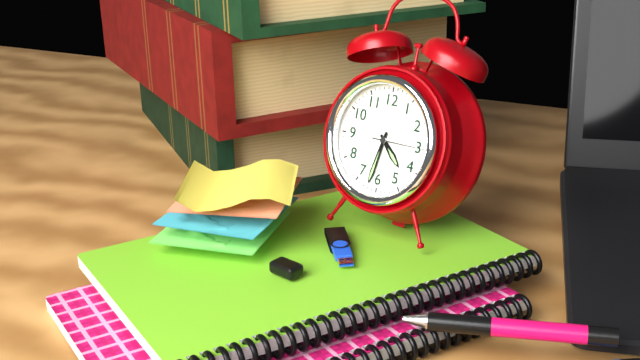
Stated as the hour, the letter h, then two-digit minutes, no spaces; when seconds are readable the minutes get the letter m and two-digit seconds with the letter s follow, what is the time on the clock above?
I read 4h32m15s
